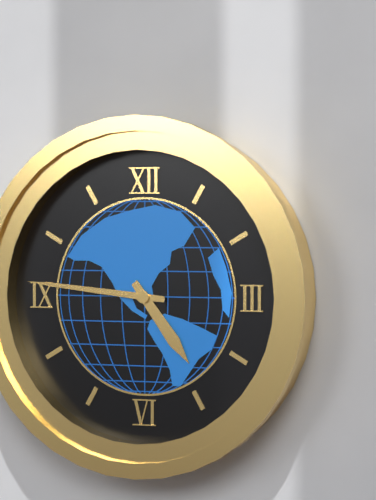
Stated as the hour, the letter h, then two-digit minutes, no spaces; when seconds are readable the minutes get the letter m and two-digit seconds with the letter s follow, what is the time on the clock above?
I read 4h46
